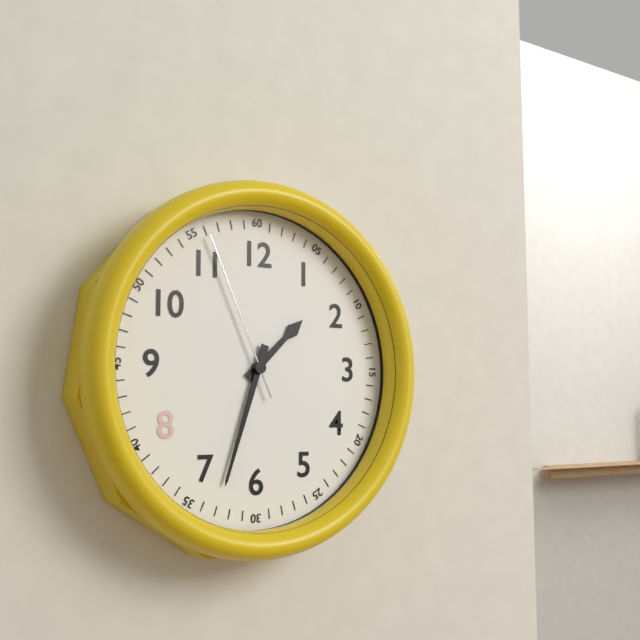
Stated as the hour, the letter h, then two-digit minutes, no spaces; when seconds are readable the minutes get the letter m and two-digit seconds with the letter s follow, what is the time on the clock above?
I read 1h33m56s
